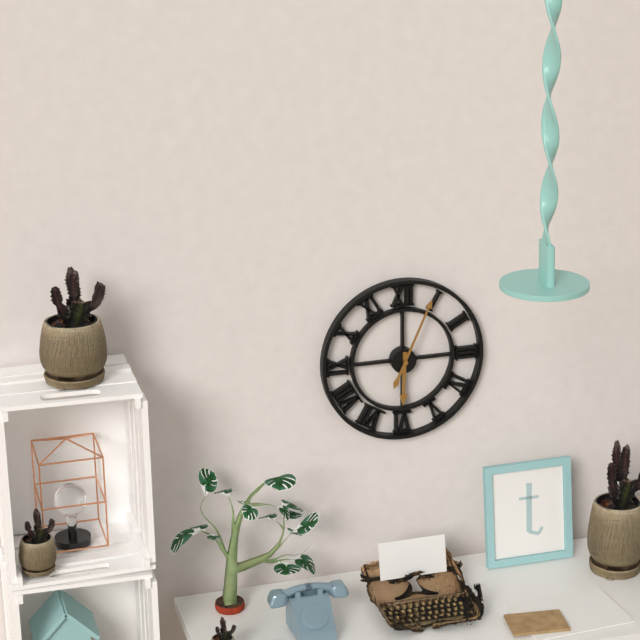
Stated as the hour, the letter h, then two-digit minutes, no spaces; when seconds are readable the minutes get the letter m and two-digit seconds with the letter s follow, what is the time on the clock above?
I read 6h04
